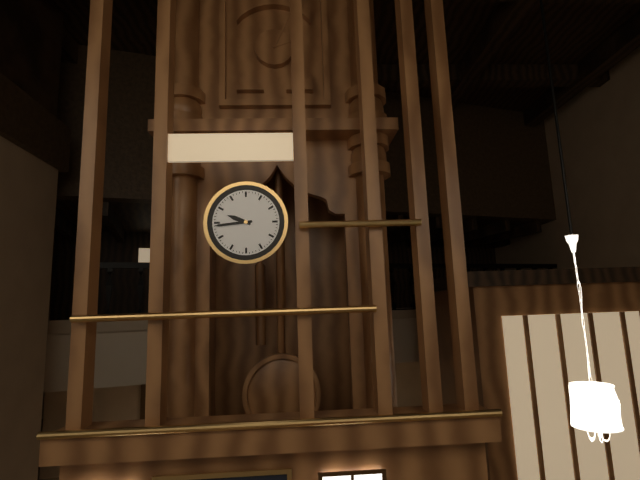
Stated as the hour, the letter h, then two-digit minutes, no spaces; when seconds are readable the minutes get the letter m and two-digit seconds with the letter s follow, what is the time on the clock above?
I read 9h44
